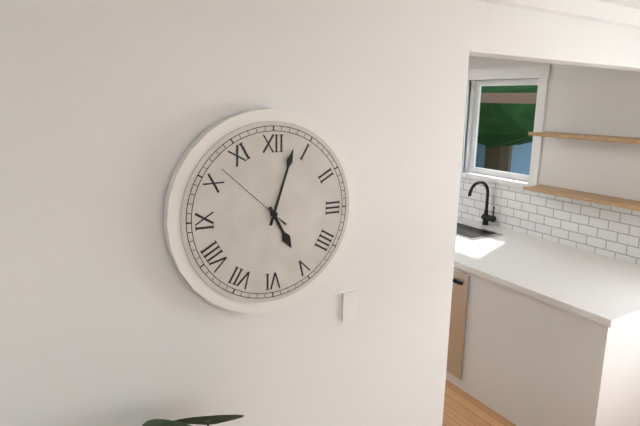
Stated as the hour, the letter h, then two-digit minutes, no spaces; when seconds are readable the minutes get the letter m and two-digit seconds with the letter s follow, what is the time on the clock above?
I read 5h03m52s
